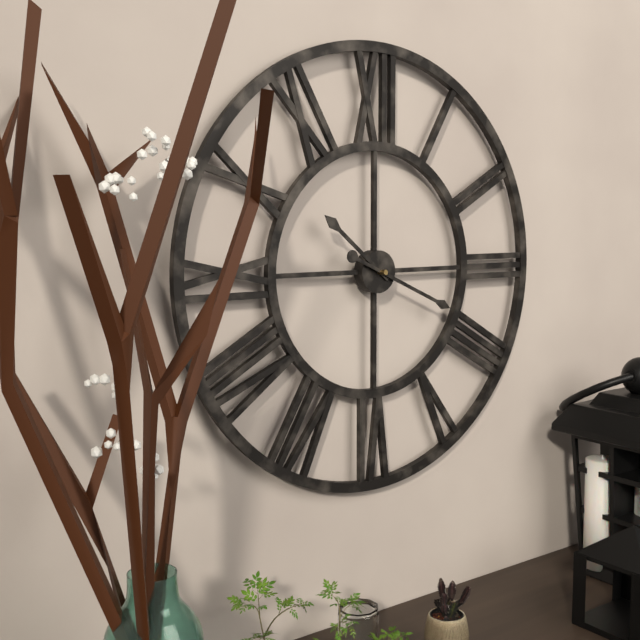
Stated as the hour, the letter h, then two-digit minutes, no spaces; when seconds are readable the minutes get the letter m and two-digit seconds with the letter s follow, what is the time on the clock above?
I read 10h19
